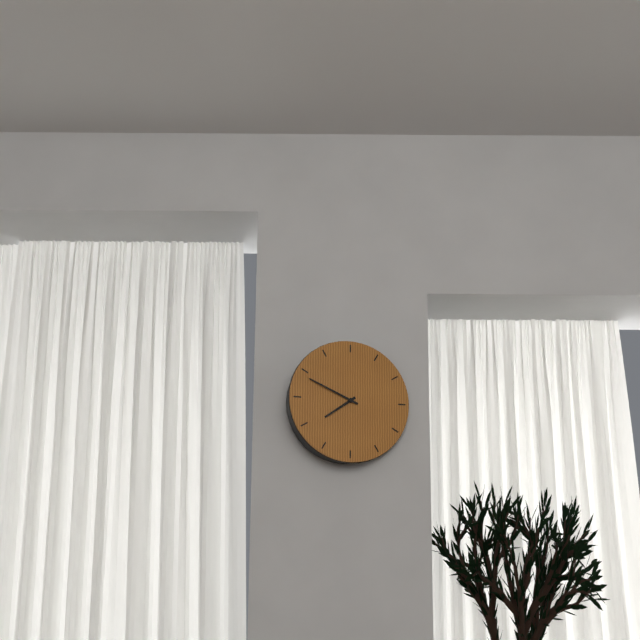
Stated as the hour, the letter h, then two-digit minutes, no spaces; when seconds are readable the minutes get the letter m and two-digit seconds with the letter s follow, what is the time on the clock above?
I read 7h49
